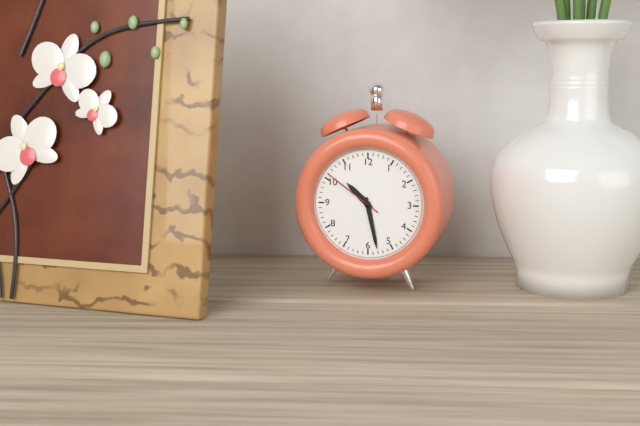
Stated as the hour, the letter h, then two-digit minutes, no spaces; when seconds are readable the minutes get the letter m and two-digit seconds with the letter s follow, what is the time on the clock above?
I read 10h28m51s
